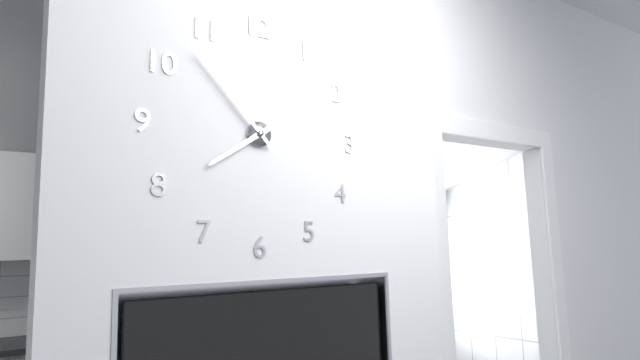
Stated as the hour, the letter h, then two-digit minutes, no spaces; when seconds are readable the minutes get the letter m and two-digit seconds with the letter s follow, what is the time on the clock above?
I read 7h53
